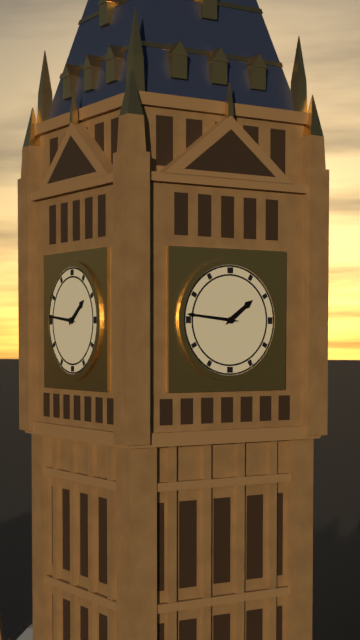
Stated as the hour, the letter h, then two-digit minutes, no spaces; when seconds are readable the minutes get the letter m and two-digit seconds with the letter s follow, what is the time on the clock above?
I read 1h46
